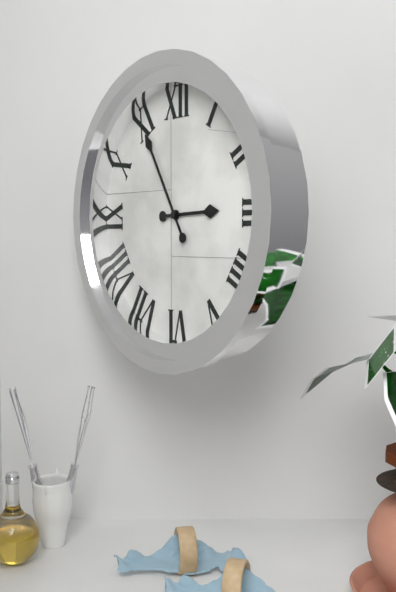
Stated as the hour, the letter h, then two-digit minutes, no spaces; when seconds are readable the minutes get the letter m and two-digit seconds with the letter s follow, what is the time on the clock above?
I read 2h55
